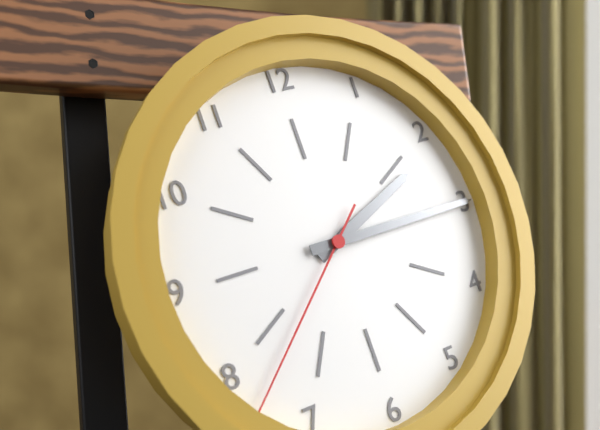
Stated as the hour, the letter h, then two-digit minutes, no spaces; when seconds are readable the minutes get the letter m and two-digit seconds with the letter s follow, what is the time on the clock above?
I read 2h15m38s
